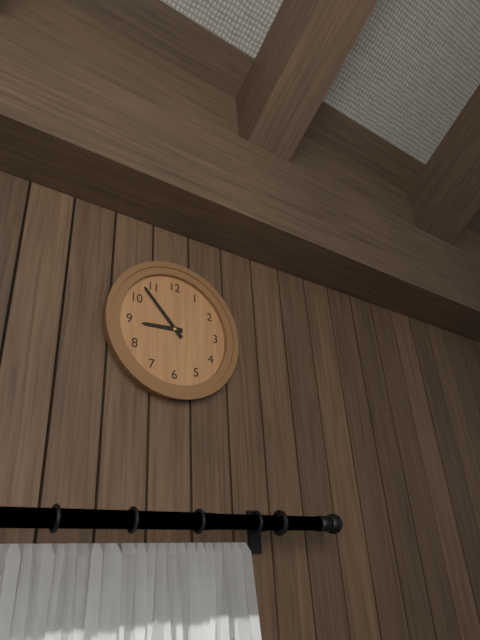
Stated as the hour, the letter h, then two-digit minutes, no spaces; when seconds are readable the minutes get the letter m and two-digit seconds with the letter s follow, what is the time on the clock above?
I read 8h53
